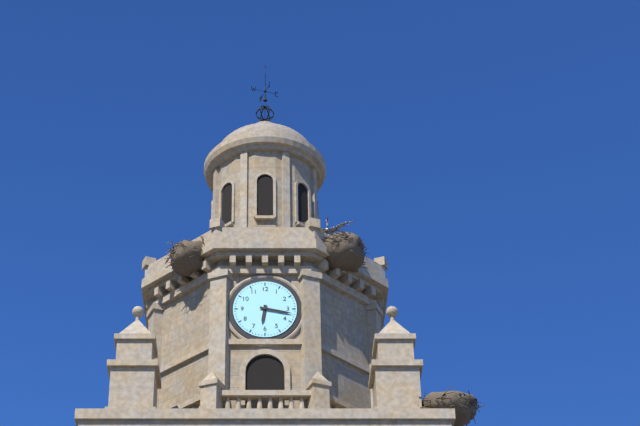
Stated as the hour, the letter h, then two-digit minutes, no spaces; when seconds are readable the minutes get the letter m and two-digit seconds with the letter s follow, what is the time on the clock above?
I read 6h17
